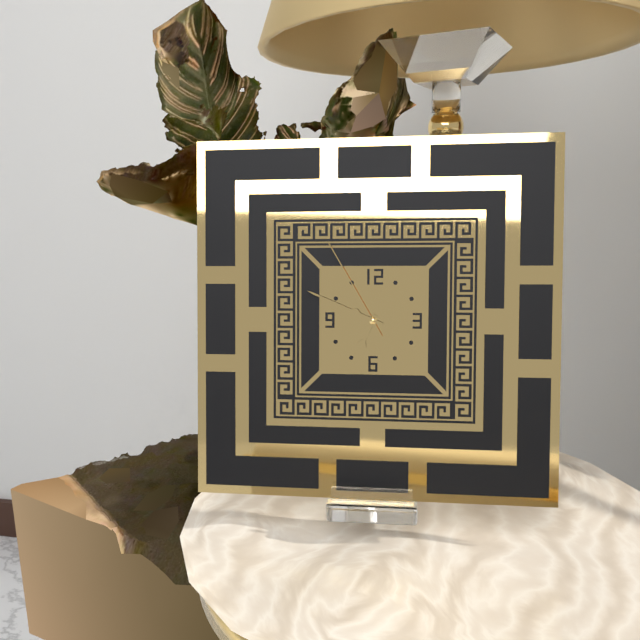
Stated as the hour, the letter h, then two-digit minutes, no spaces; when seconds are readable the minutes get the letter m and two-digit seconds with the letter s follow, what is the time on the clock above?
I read 6h49m55s
